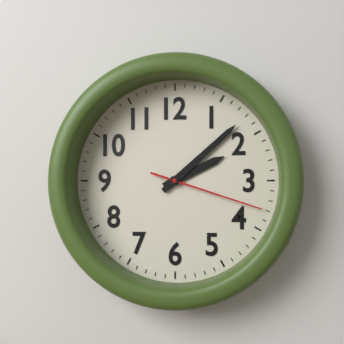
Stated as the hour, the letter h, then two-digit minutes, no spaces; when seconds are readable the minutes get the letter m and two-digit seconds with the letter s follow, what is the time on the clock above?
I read 2h08m18s
